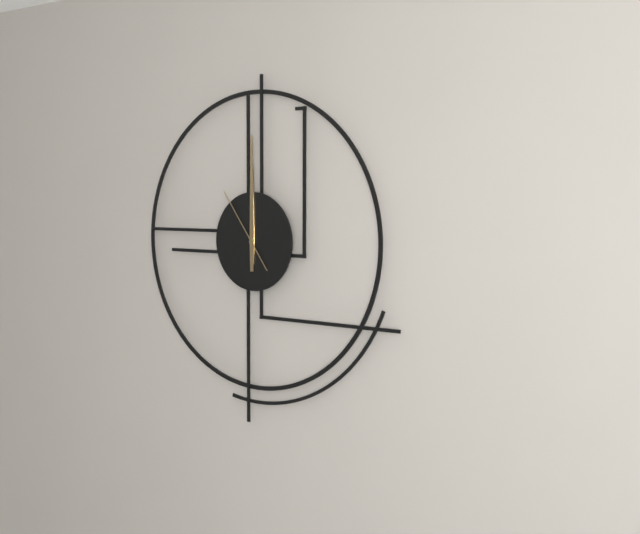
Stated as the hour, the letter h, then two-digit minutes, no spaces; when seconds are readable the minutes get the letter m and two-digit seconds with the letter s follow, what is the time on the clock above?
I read 12h00m54s
